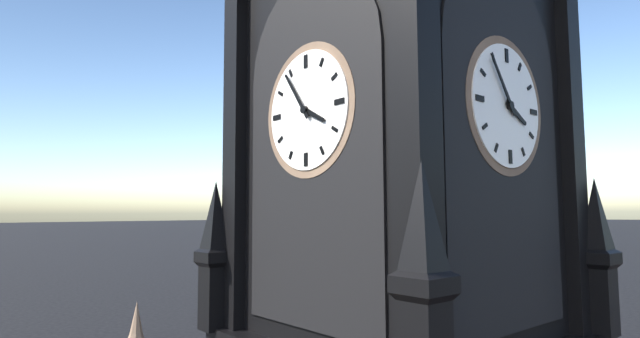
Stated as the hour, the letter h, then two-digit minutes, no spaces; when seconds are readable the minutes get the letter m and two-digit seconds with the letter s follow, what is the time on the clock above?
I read 3h54
